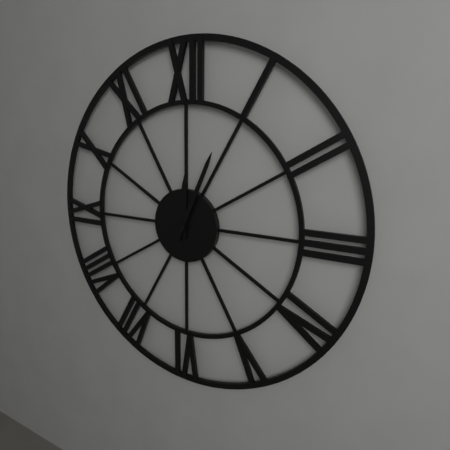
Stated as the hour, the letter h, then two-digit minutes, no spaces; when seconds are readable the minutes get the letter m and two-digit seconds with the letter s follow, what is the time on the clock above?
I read 12h04
